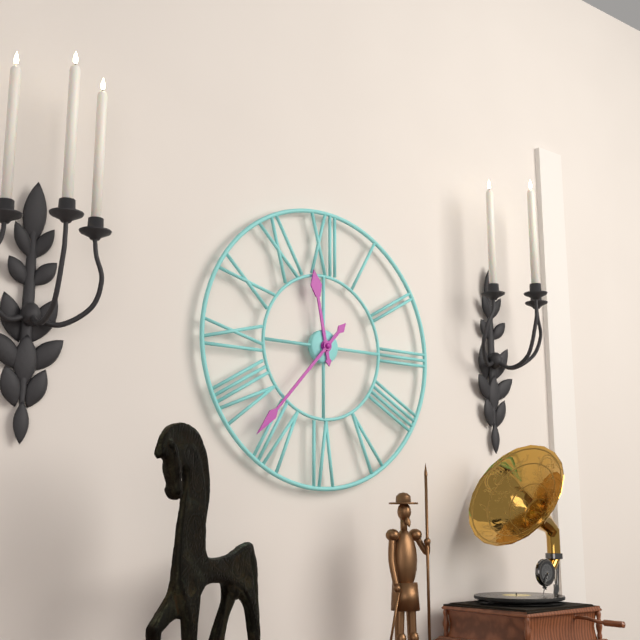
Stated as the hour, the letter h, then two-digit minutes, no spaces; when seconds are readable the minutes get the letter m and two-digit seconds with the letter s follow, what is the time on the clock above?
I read 11h37
